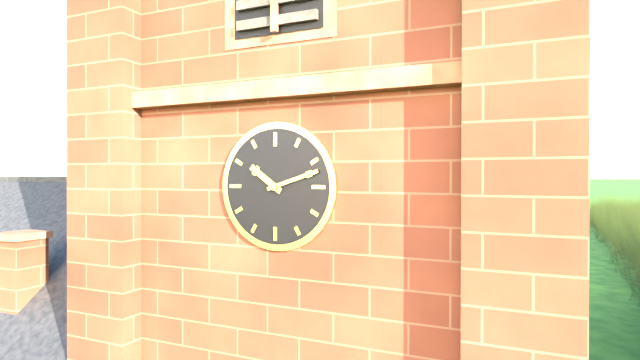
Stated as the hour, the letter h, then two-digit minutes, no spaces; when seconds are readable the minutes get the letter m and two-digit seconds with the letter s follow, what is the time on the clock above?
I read 10h12
